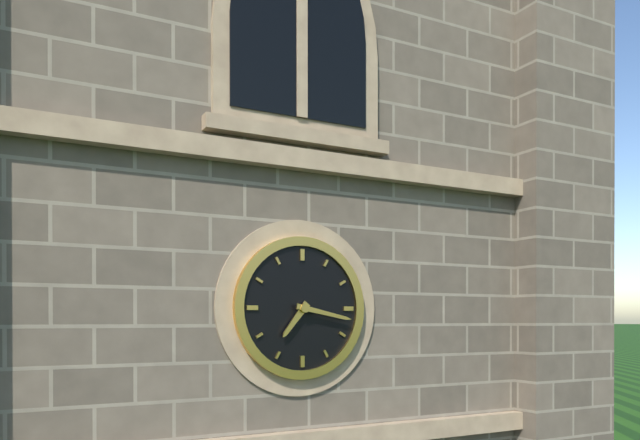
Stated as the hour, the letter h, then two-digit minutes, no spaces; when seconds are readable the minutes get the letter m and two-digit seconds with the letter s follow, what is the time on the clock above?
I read 7h17
